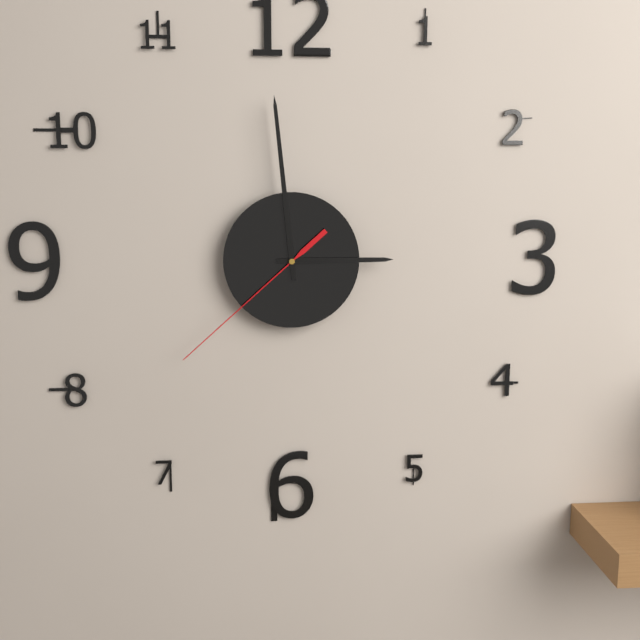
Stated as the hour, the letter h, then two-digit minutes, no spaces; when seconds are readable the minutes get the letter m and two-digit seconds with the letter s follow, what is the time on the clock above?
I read 2h59m38s
